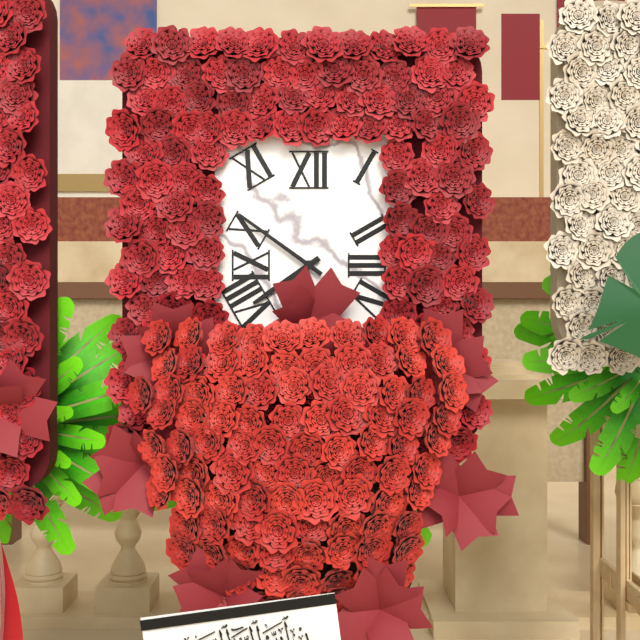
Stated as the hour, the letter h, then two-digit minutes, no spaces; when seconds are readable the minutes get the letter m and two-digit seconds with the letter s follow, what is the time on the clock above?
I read 7h51
